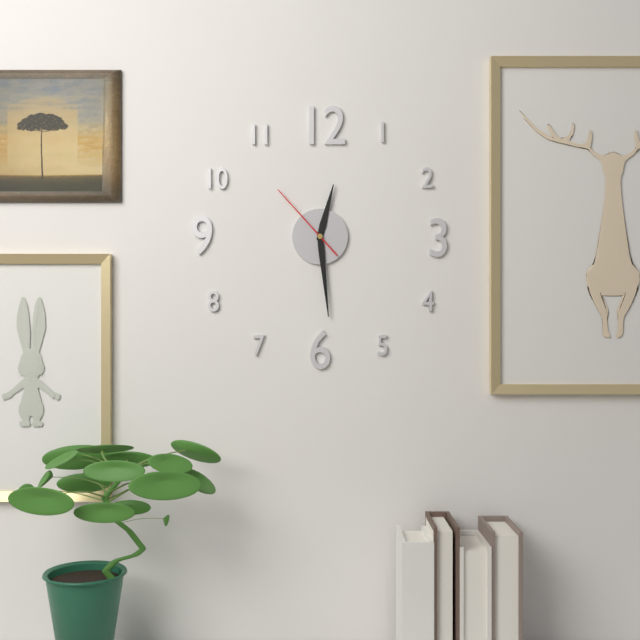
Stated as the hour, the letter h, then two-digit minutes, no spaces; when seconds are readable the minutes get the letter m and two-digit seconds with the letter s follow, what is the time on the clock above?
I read 12h29m53s
